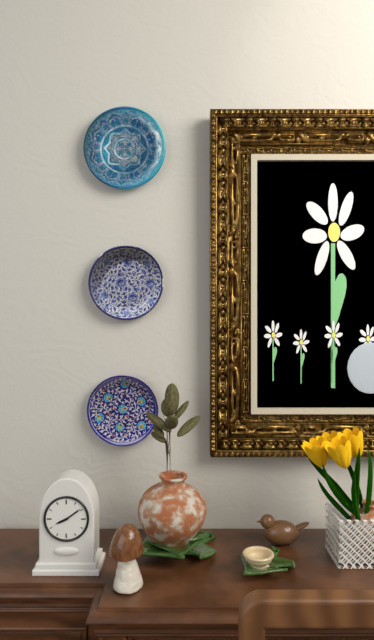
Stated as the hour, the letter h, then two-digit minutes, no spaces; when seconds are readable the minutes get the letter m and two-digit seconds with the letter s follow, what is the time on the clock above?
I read 8h09
